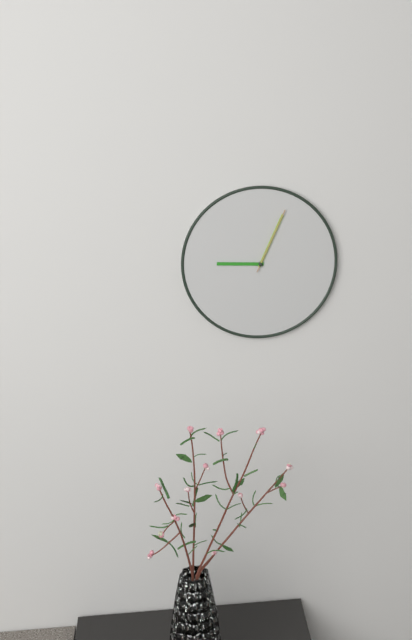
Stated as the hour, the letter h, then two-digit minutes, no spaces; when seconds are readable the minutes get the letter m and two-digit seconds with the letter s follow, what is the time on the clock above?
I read 9h04m04s
